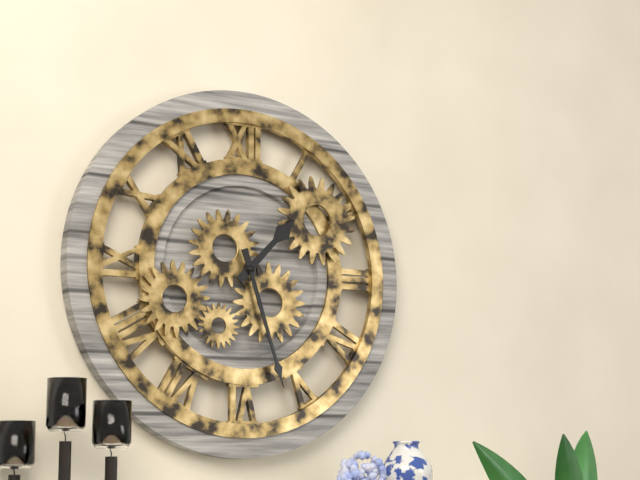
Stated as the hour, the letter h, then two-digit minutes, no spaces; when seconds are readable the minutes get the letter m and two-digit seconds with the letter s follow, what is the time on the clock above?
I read 1h27
